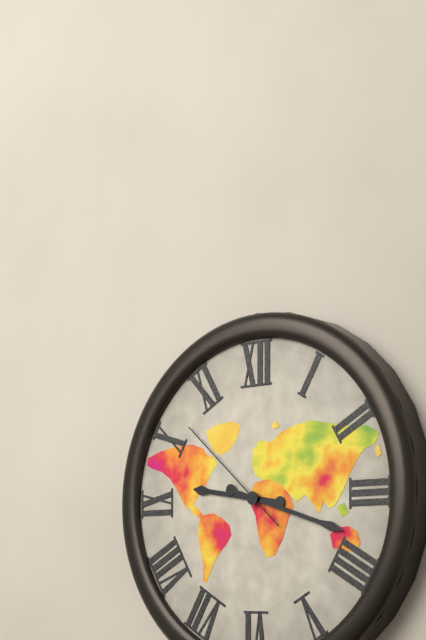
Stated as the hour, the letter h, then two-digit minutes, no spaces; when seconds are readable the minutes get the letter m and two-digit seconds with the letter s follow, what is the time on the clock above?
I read 9h18m52s
